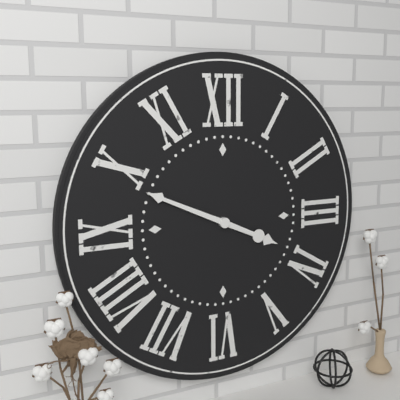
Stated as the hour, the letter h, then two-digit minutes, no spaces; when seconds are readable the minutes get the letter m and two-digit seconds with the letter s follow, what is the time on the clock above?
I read 3h49
